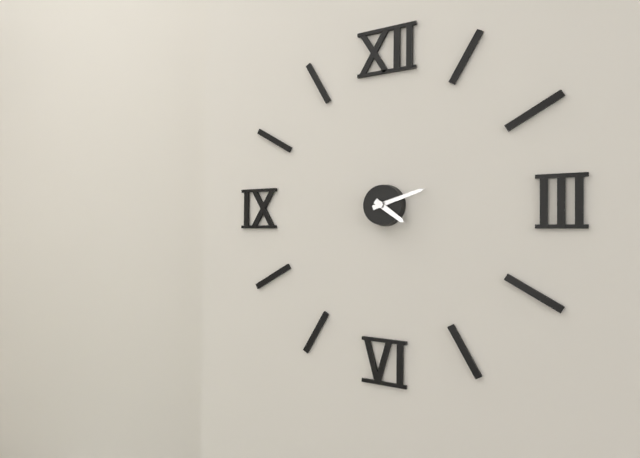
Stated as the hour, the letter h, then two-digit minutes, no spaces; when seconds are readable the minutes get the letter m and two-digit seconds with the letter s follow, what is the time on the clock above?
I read 4h12
